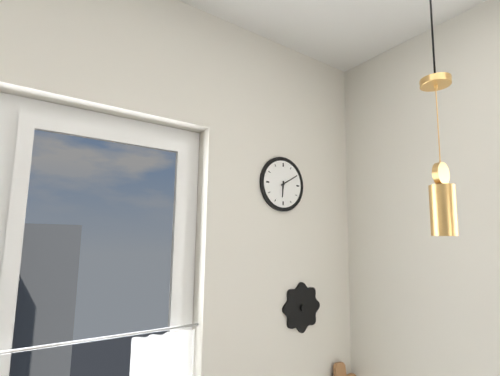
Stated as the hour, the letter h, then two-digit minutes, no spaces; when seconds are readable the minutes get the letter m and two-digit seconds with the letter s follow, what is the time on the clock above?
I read 6h10
